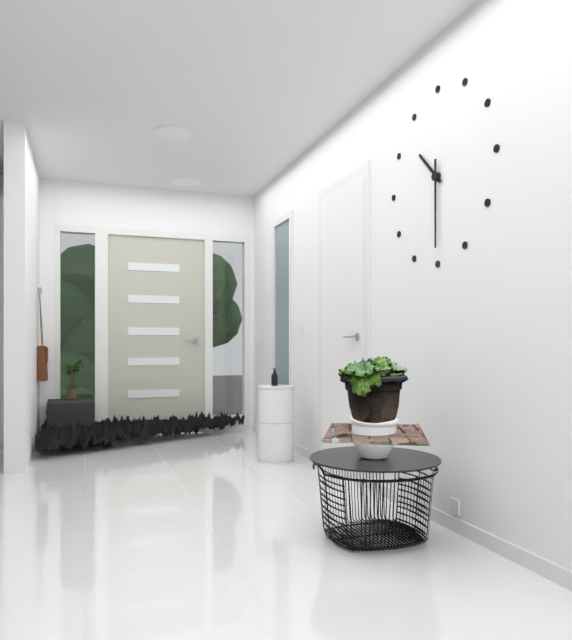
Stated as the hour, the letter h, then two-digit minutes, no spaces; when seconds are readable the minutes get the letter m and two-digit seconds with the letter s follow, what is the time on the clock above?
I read 10h30
